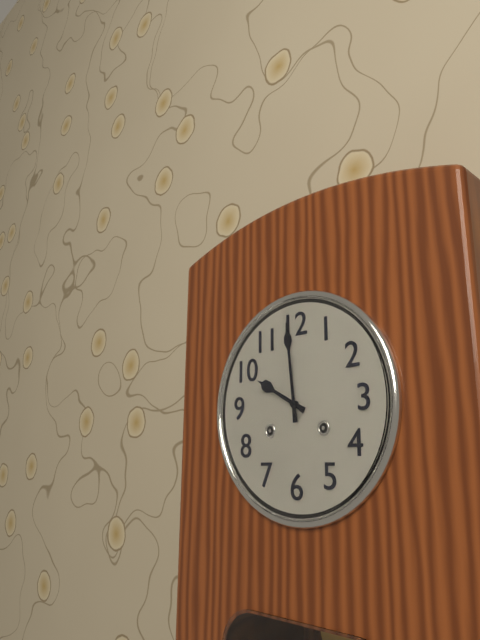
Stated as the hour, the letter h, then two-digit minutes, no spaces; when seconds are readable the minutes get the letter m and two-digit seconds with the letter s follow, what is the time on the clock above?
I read 9h59
